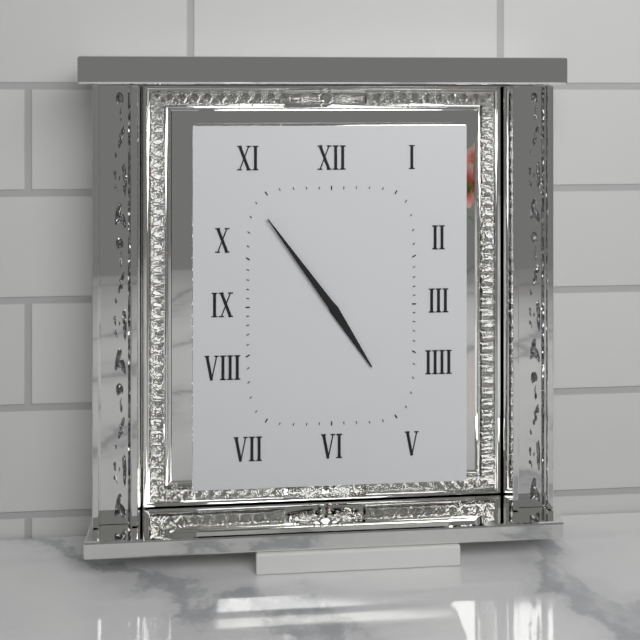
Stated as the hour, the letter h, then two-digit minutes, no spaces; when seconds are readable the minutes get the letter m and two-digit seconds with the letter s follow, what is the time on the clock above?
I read 4h54
